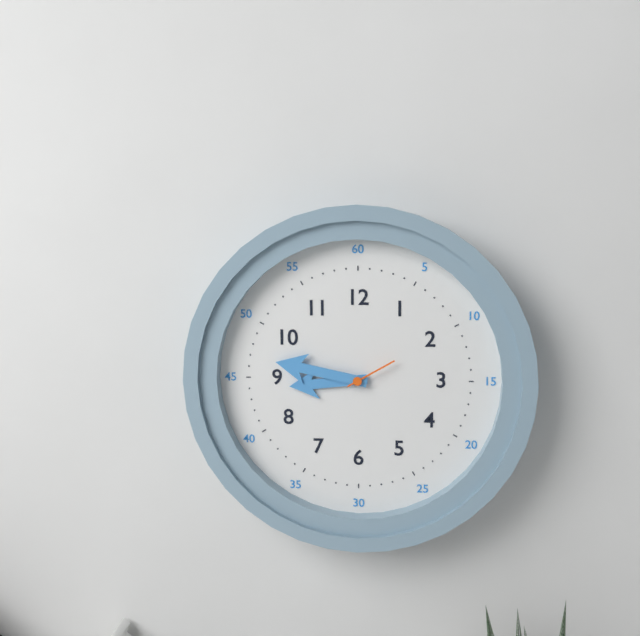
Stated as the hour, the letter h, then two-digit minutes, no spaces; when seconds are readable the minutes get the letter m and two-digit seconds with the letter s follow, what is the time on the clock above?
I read 8h47
